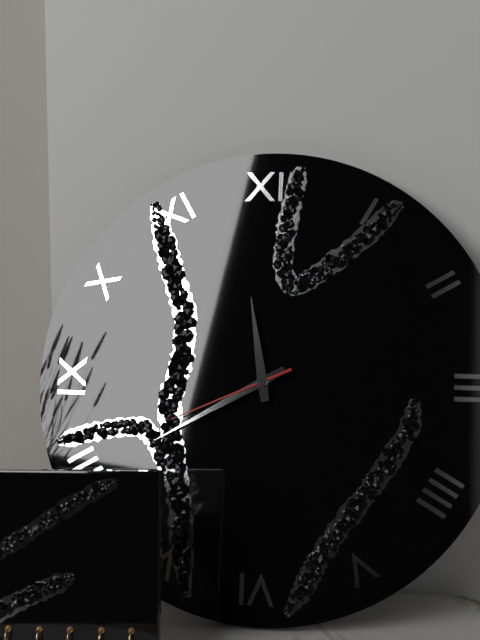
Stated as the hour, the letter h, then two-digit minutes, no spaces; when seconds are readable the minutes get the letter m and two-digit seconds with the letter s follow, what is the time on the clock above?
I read 11h40m41s
